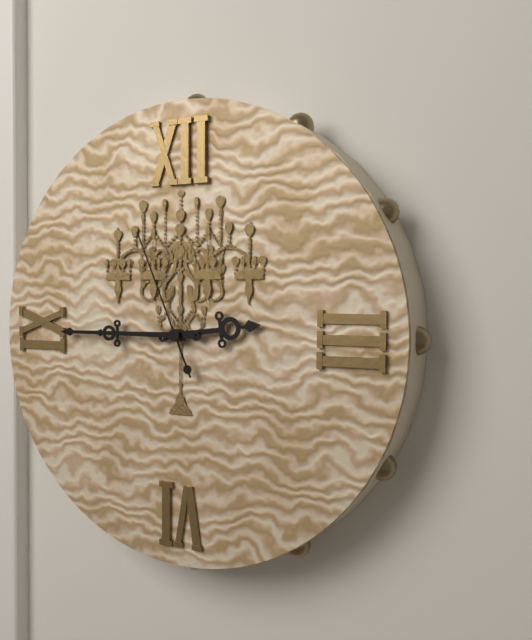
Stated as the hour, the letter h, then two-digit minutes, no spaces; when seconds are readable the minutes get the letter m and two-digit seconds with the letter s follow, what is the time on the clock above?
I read 2h45m56s
